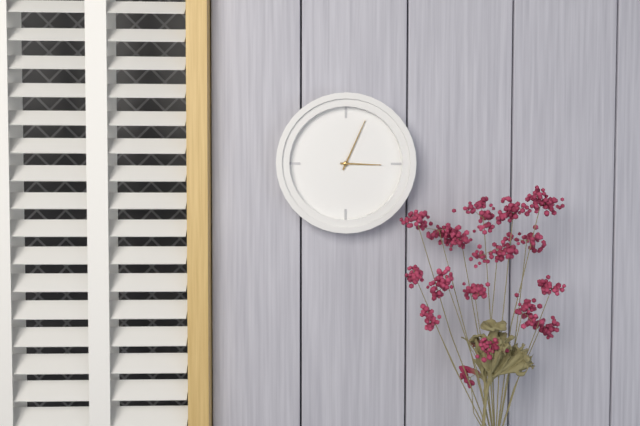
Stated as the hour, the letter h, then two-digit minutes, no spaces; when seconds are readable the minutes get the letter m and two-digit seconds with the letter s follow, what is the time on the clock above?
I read 3h04
